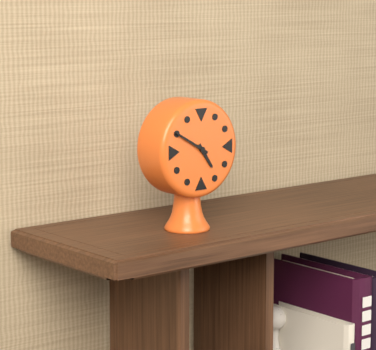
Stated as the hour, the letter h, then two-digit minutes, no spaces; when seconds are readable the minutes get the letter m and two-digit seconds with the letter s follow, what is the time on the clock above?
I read 4h50
